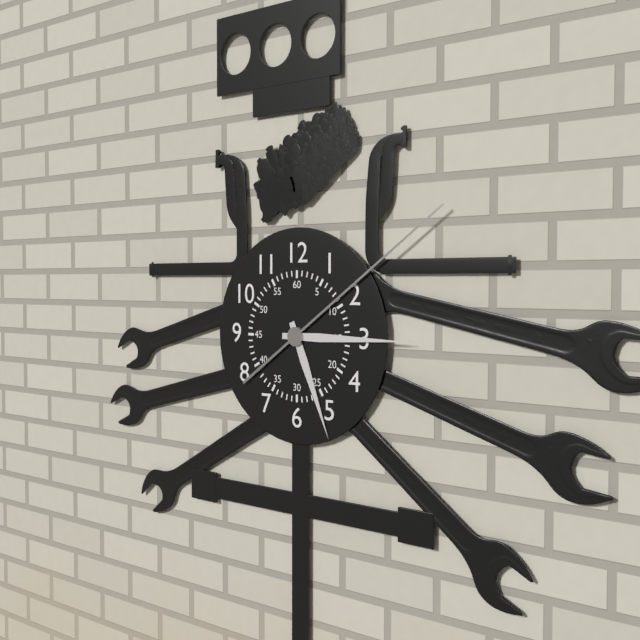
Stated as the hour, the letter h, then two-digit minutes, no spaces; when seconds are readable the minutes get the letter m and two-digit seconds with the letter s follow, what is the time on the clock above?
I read 5h15m09s
